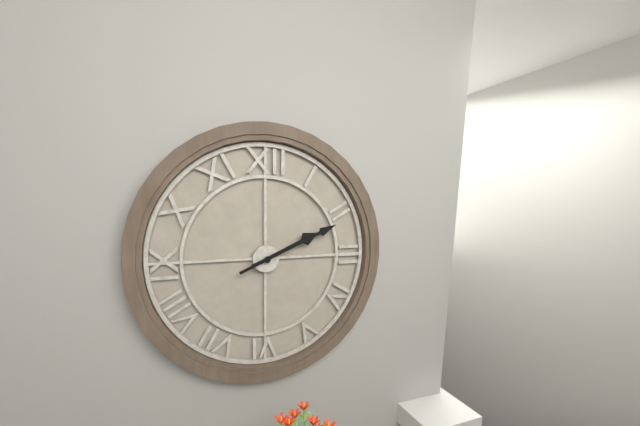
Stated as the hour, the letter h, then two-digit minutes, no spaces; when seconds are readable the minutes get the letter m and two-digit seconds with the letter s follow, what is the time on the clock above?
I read 2h11
